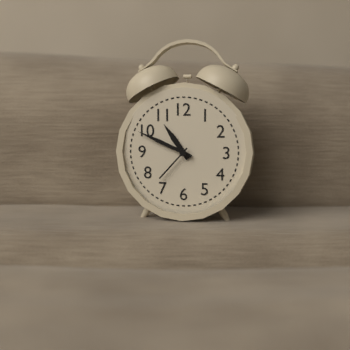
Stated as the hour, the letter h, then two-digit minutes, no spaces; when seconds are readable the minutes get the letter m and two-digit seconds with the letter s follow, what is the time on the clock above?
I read 10h49
